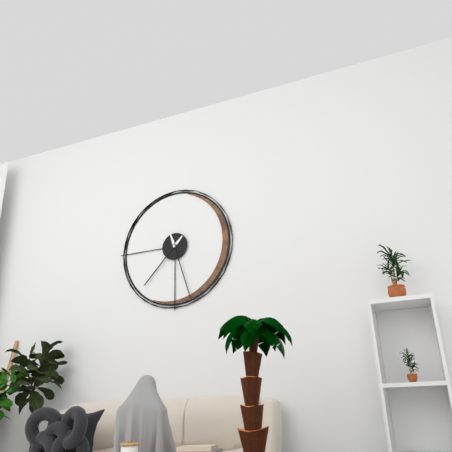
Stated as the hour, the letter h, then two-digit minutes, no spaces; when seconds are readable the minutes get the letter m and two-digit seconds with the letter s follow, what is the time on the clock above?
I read 7h27
